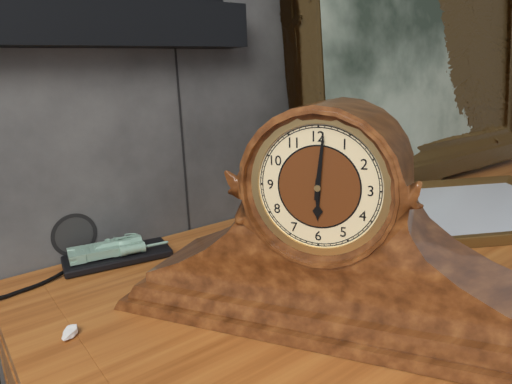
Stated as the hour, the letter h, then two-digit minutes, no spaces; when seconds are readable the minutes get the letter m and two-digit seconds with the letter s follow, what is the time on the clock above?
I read 6h01
